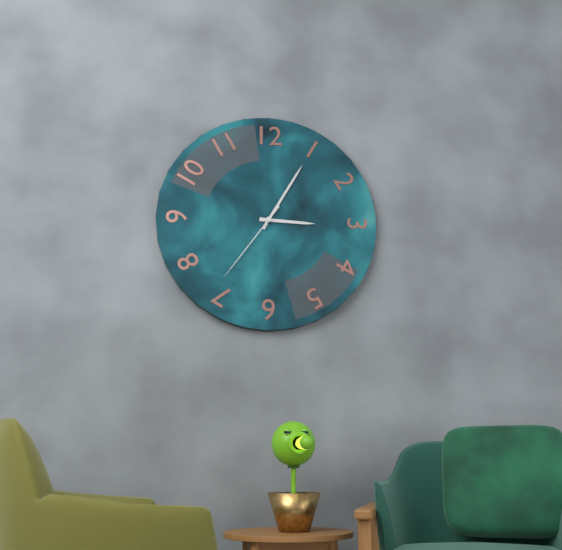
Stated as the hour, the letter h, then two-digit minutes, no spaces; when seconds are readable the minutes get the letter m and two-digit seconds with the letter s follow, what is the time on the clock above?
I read 3h05m36s
